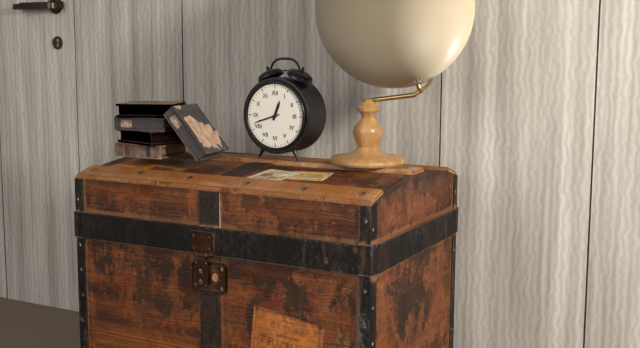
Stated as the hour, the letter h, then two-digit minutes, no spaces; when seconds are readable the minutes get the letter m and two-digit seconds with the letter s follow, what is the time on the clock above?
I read 12h42
